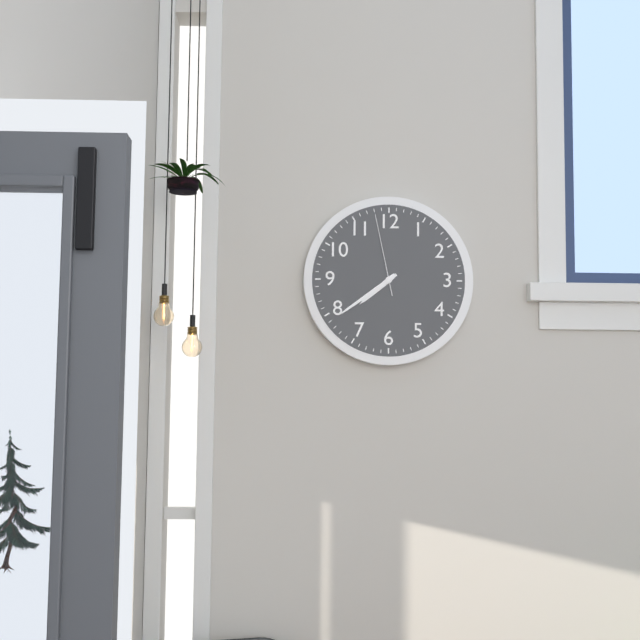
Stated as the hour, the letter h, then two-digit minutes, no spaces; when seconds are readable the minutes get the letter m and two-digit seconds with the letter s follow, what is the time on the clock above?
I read 7h39m58s
